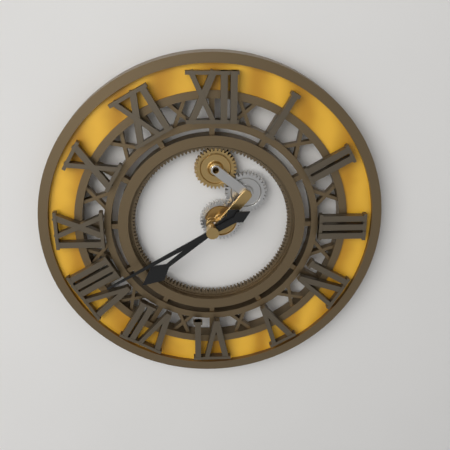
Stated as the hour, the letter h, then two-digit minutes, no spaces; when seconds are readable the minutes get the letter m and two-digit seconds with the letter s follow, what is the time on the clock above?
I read 7h40
